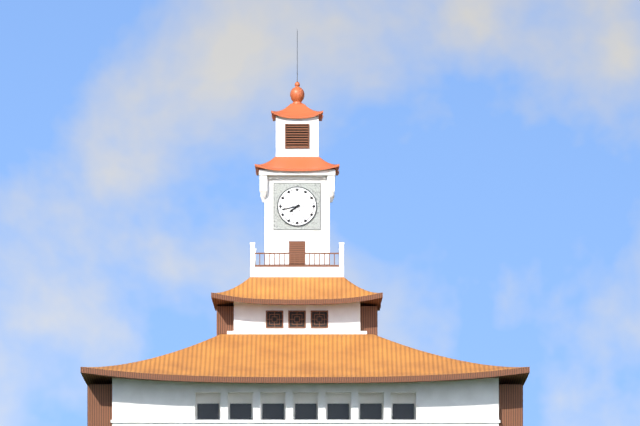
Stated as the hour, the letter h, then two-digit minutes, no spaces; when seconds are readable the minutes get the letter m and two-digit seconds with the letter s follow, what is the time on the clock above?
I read 7h43
